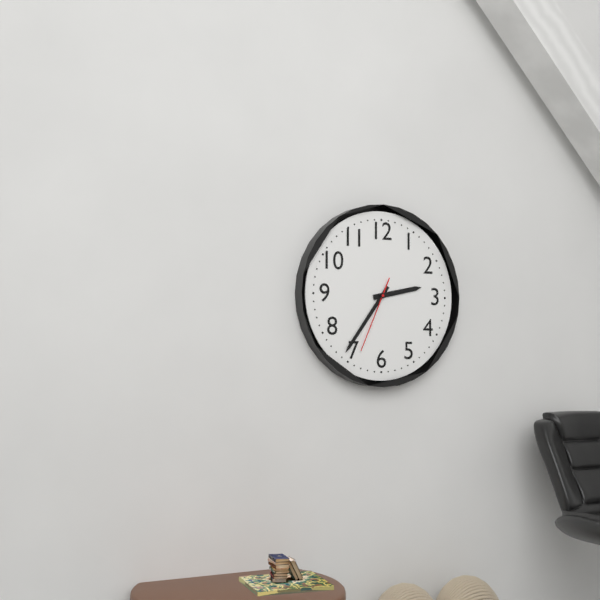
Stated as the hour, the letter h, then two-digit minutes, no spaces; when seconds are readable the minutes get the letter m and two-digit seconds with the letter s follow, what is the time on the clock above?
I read 2h36m34s
